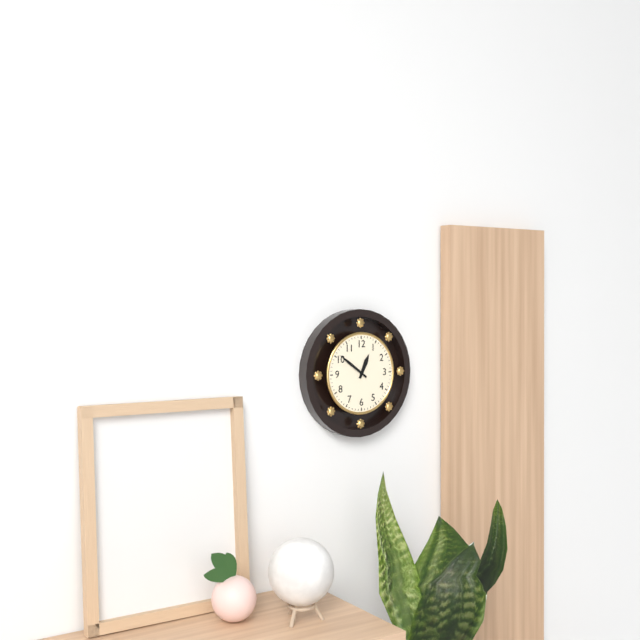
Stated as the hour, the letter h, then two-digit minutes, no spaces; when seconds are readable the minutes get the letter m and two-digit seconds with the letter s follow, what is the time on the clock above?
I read 12h51
